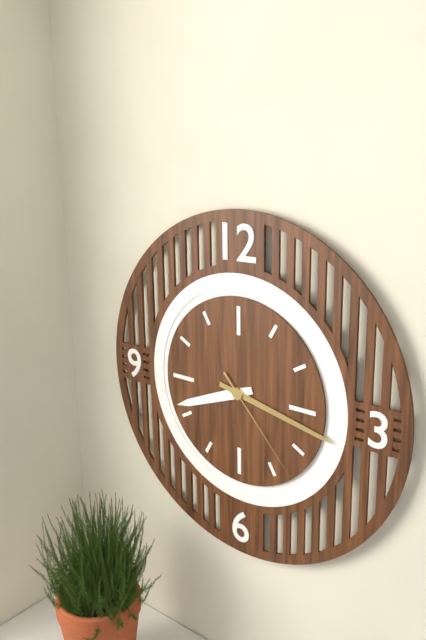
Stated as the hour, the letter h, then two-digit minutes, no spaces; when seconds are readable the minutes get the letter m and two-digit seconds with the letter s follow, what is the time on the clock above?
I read 8h17m23s
